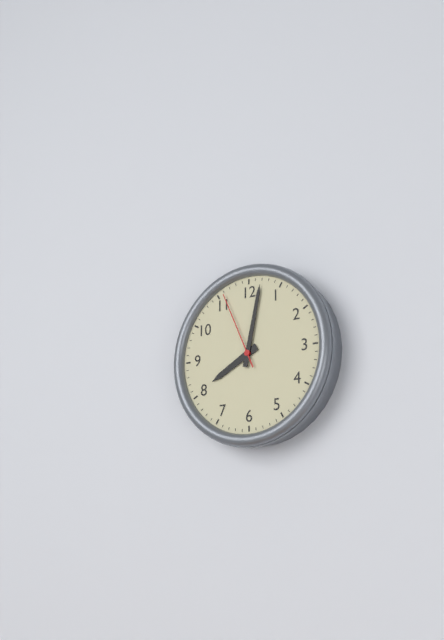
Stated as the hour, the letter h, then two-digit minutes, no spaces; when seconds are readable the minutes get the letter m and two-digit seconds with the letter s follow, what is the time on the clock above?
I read 8h02m56s
